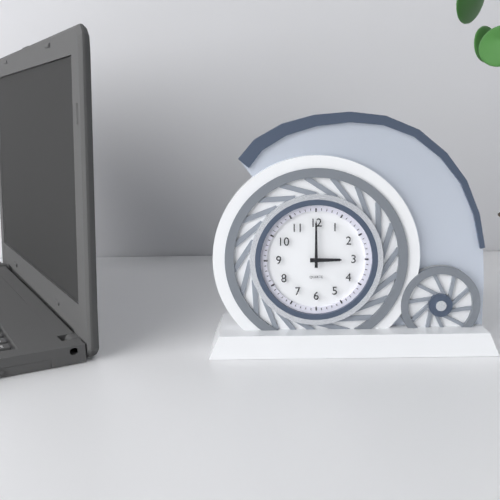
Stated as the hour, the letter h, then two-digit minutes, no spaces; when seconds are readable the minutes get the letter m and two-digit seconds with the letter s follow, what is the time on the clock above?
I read 3h00
